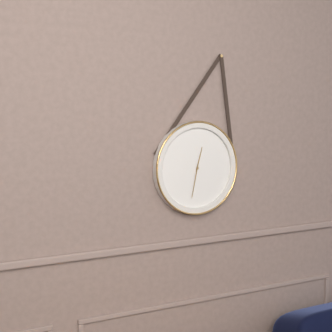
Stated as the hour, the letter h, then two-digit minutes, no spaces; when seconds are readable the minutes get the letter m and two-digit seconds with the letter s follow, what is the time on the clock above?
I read 12h32
